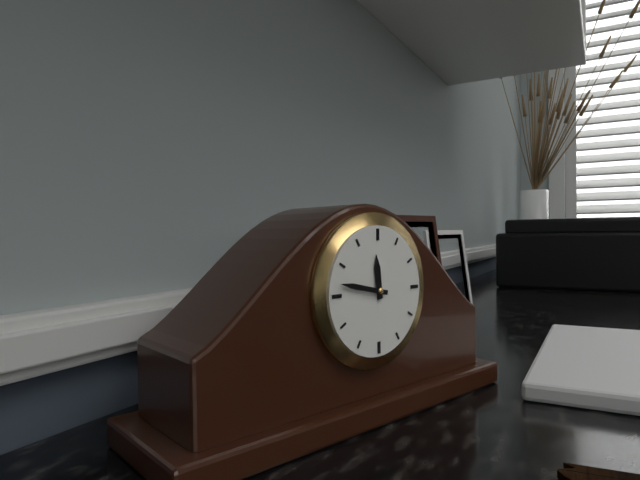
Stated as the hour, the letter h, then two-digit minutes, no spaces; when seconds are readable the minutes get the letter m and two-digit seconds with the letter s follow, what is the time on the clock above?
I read 11h47
